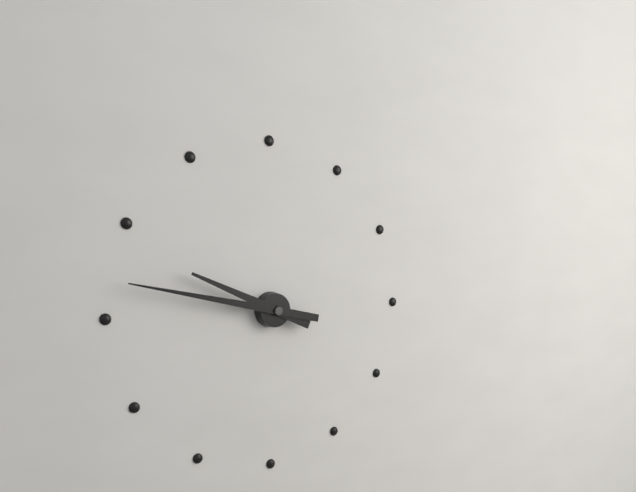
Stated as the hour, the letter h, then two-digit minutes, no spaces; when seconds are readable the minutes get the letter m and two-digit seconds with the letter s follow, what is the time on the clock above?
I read 9h47
